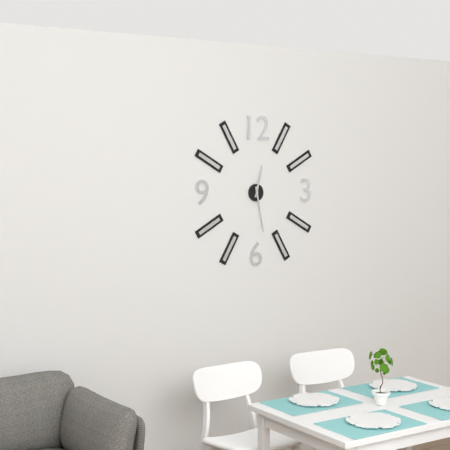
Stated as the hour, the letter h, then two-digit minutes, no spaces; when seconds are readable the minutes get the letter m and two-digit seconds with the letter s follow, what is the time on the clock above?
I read 12h28
